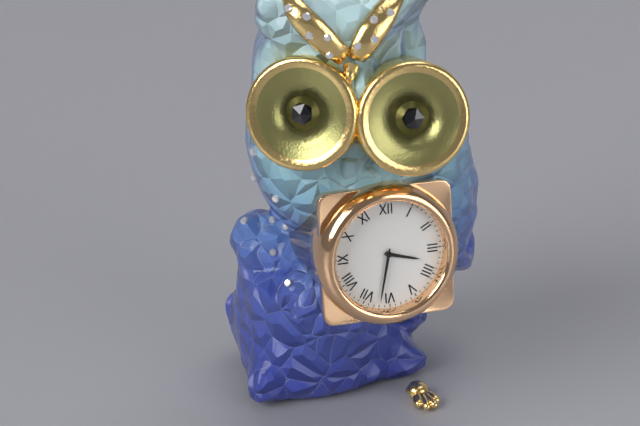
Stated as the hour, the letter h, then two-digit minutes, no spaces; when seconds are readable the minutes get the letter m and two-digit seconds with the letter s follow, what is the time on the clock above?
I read 3h32
